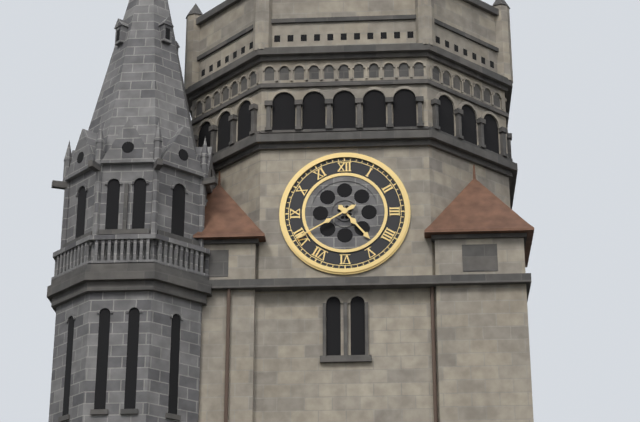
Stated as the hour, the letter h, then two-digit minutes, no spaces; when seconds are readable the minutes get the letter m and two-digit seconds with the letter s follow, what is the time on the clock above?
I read 4h40
